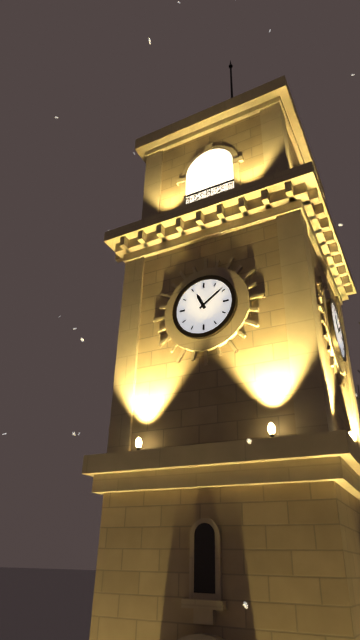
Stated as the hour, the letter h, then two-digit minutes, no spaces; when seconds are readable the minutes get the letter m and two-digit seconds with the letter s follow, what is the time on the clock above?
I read 11h09
